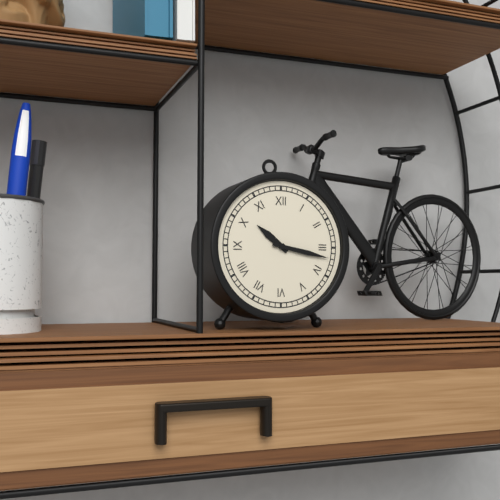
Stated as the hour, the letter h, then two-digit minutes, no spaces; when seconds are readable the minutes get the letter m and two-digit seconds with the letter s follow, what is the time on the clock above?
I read 10h17
